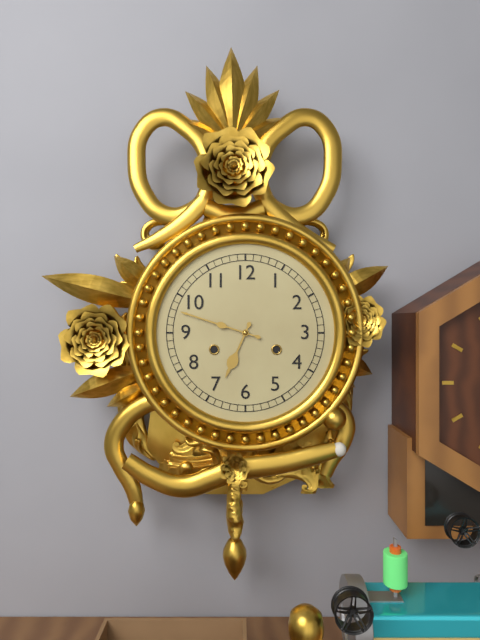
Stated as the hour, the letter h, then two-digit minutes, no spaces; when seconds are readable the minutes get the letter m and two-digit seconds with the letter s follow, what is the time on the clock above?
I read 6h48
